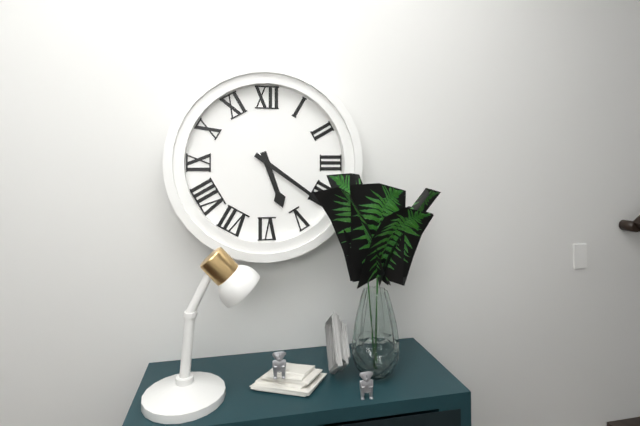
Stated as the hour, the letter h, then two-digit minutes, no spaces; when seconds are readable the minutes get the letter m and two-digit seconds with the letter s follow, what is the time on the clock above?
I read 5h21
